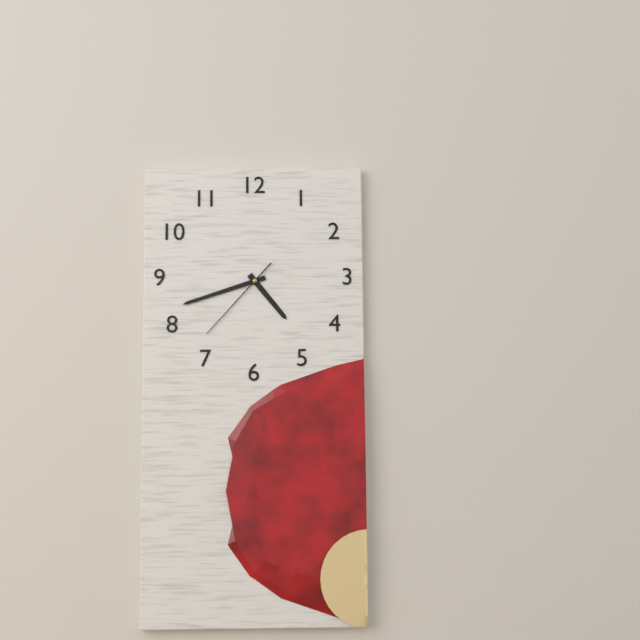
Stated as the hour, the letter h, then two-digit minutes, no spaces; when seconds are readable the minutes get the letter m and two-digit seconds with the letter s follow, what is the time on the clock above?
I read 4h42m37s
